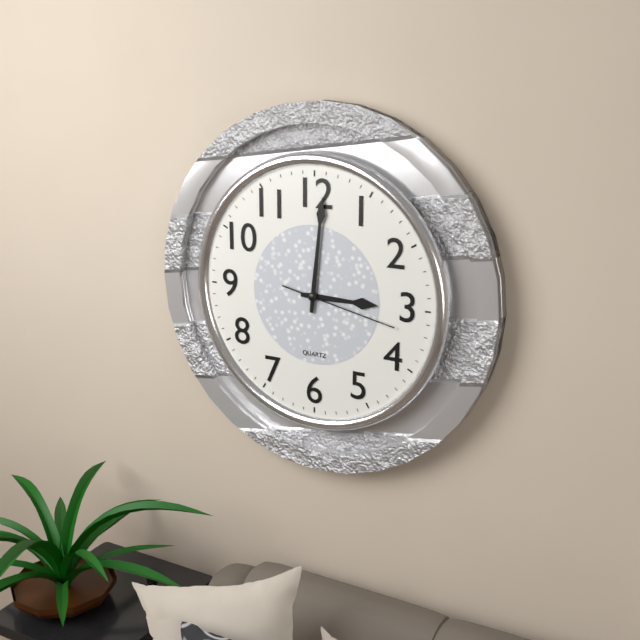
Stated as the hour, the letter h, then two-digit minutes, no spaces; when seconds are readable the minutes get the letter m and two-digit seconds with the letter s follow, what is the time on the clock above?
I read 3h01m17s
